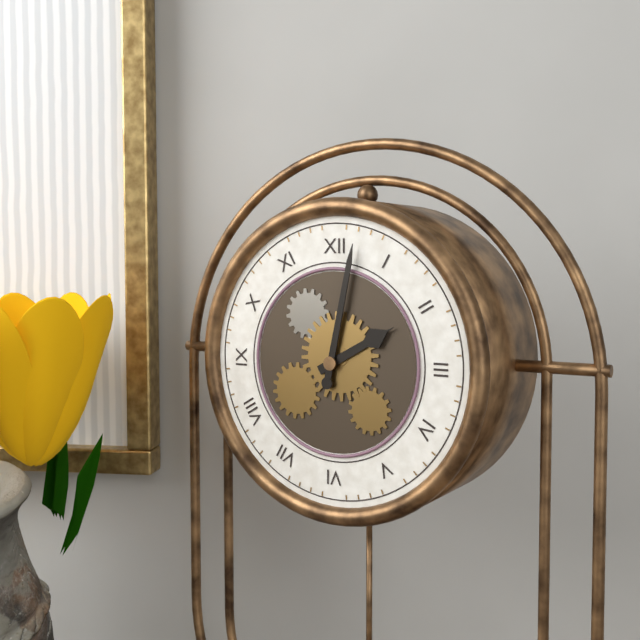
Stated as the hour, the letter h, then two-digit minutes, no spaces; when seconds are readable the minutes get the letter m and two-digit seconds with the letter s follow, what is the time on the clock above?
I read 2h02
